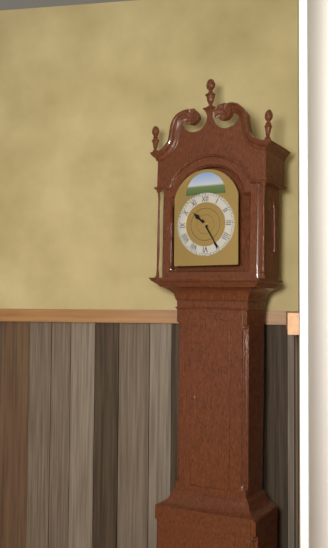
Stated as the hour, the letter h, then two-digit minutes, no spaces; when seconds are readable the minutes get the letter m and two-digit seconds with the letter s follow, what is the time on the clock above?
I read 10h25
